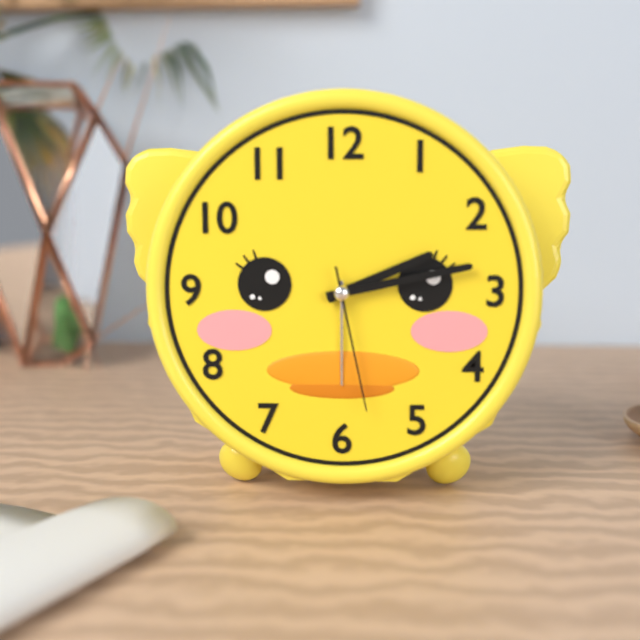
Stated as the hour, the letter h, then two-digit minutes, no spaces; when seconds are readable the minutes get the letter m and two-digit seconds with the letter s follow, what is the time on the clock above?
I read 2h13m28s
